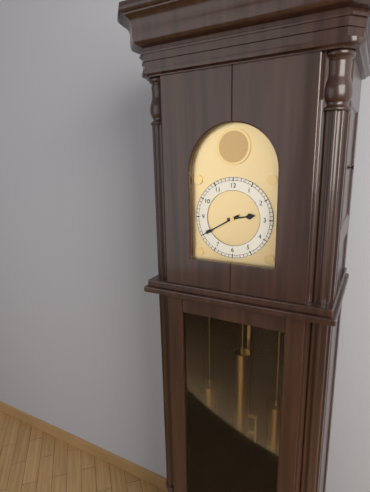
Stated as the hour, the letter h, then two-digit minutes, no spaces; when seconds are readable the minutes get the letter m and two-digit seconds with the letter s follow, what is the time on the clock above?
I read 2h40
